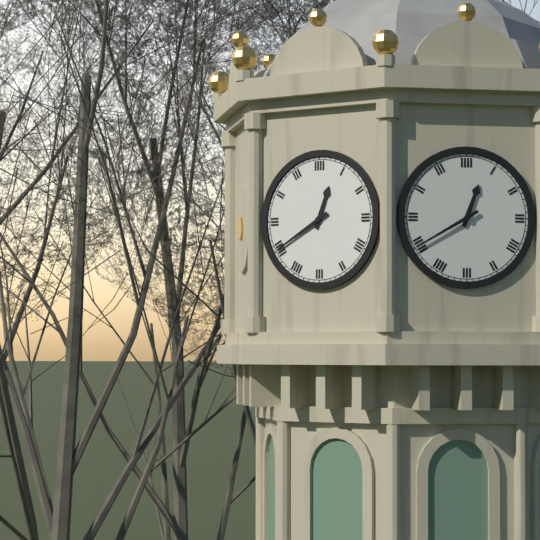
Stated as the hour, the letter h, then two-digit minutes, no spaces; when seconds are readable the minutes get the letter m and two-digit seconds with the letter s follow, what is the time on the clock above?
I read 12h40
